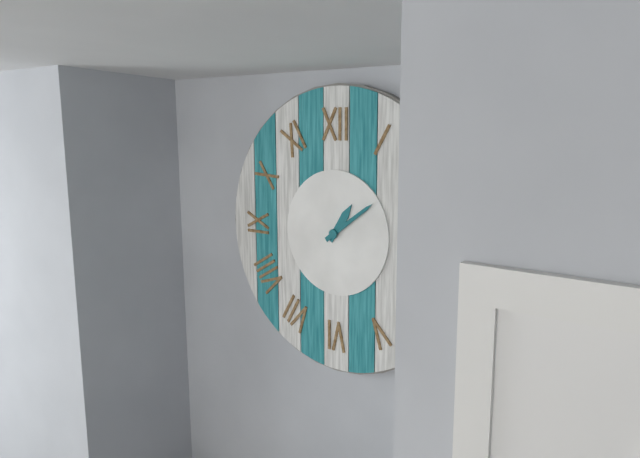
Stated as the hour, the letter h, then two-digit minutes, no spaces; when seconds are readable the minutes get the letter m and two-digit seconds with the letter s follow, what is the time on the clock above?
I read 1h09
